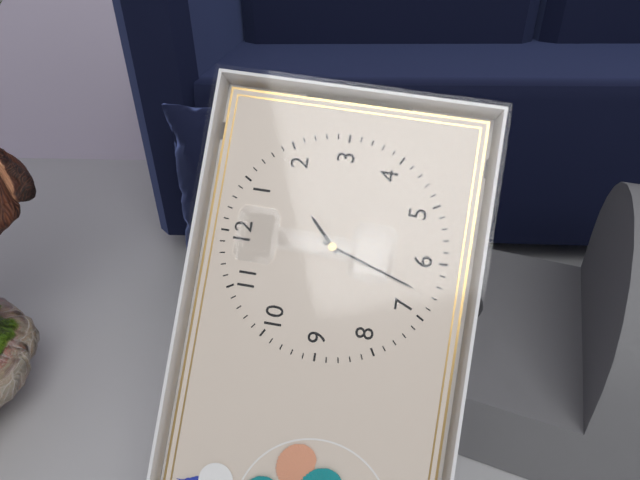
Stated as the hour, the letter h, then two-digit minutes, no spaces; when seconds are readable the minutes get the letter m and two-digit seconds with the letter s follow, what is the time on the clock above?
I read 1h33
